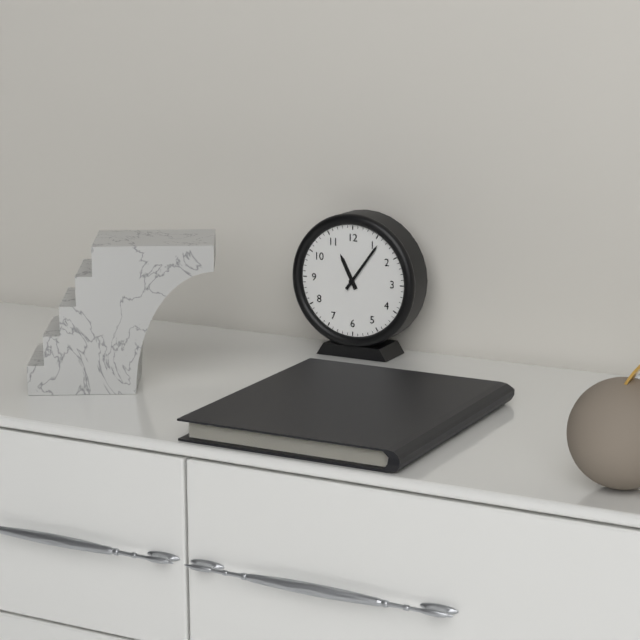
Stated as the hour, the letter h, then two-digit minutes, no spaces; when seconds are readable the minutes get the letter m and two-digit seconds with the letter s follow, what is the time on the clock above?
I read 11h06
